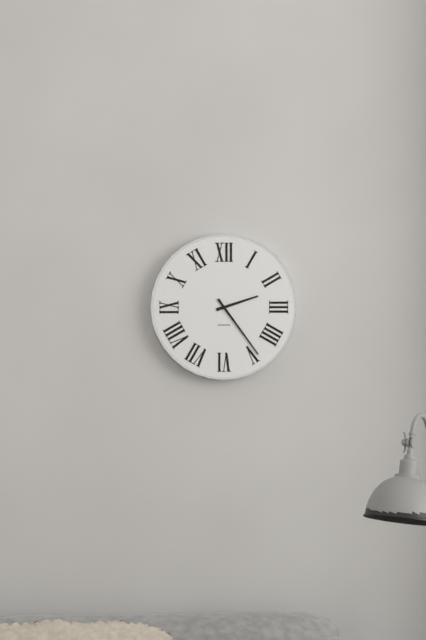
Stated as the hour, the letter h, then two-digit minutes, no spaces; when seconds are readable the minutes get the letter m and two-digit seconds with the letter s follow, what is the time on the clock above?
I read 2h24
